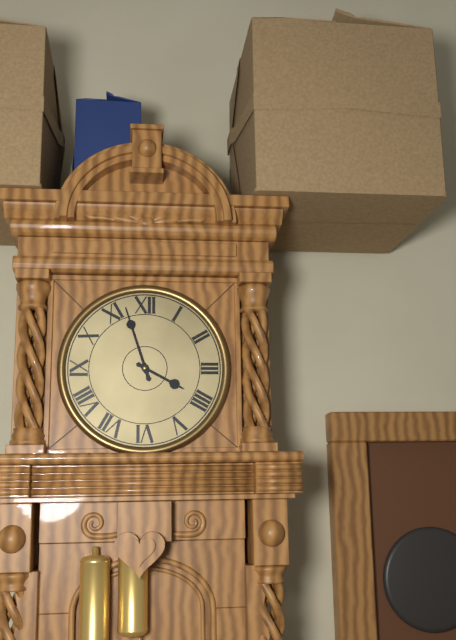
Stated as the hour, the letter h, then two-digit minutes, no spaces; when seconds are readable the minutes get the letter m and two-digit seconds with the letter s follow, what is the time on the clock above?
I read 3h57
